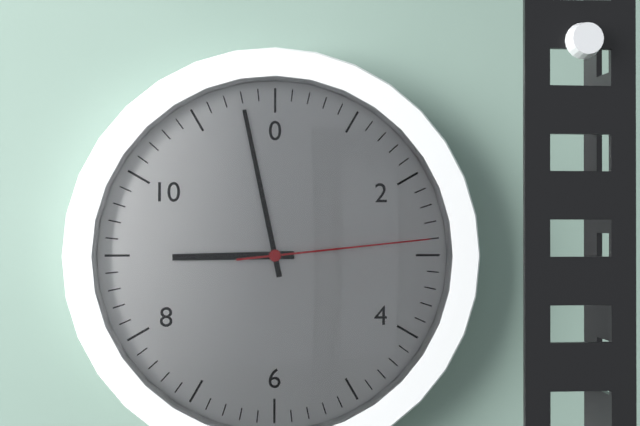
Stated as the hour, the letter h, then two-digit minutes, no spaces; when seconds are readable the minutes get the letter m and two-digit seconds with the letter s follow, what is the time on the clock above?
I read 8h58m14s
